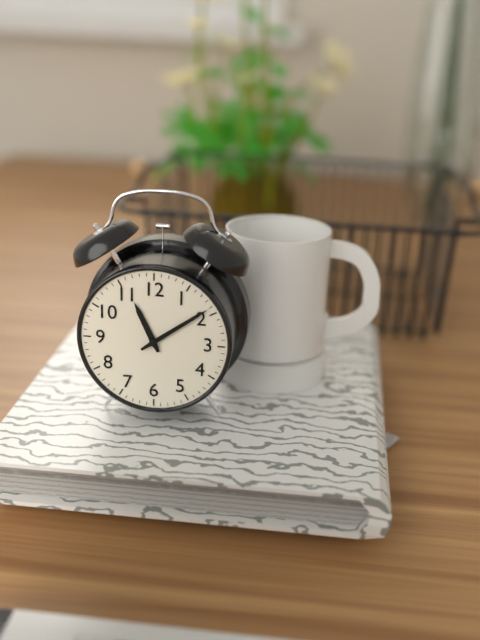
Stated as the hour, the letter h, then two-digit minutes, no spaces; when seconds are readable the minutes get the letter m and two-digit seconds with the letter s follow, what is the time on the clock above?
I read 11h09
